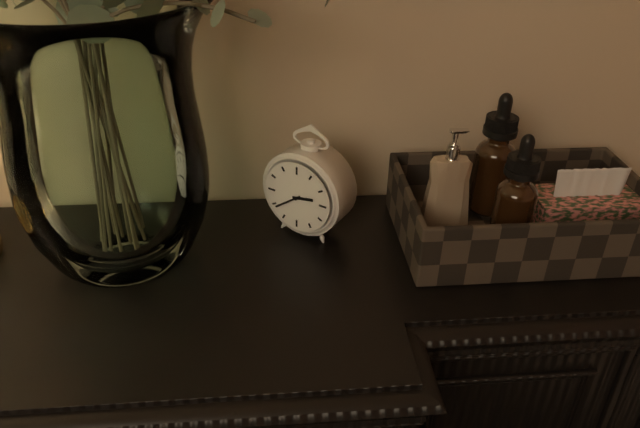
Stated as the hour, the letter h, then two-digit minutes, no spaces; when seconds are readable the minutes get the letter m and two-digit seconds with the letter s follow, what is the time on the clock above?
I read 2h39
